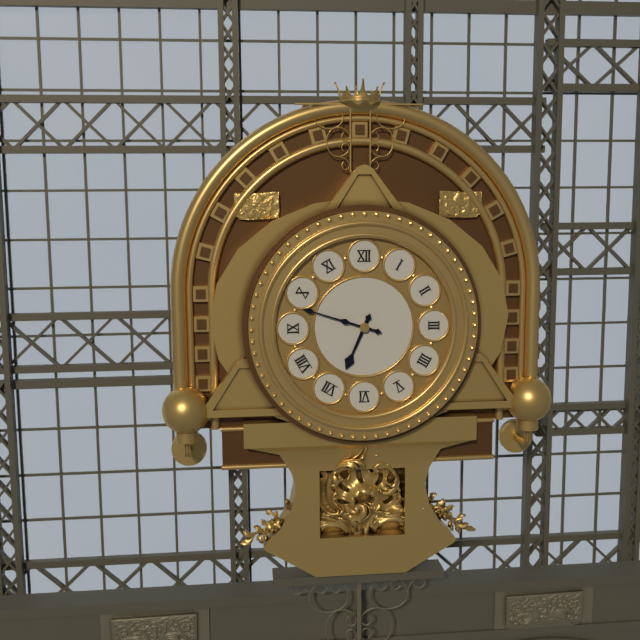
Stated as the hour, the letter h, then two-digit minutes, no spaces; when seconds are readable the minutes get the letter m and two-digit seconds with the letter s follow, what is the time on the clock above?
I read 6h48
